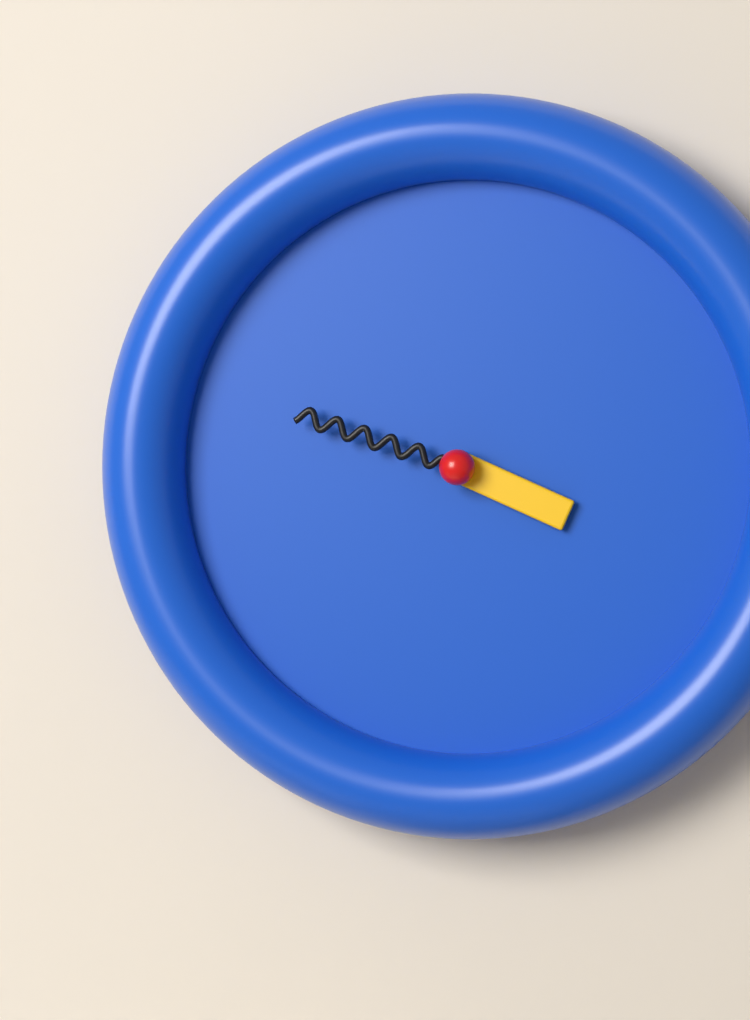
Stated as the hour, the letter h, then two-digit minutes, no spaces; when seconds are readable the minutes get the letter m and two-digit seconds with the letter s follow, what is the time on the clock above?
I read 3h48
